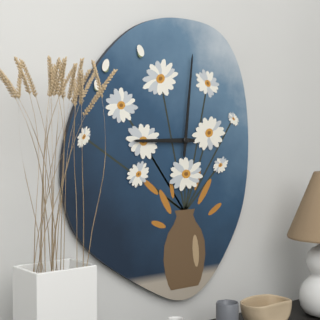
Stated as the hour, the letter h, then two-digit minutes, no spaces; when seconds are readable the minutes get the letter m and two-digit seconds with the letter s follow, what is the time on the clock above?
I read 9h01
